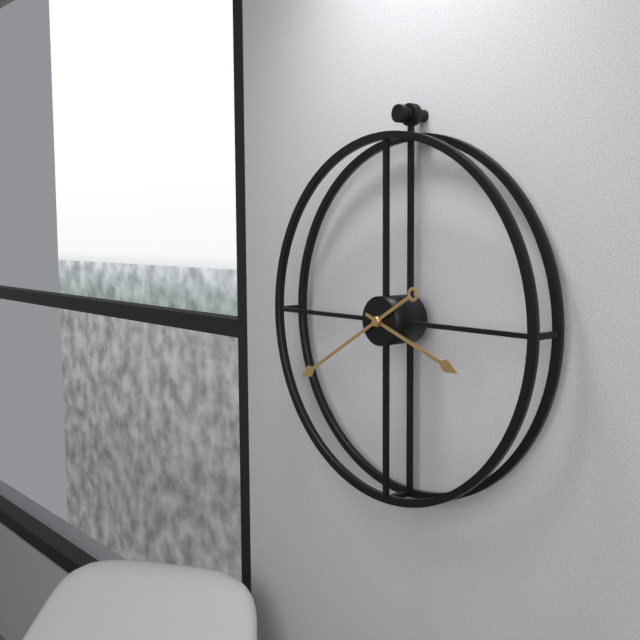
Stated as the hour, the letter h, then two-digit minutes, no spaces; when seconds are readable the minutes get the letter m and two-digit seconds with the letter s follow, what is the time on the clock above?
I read 3h40
